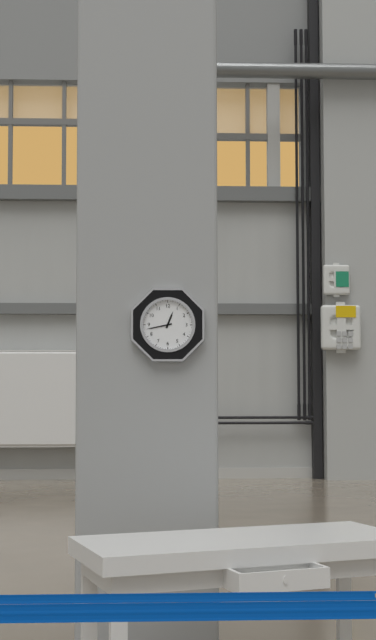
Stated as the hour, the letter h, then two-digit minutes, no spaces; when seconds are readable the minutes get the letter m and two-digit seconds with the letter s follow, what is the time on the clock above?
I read 12h43
